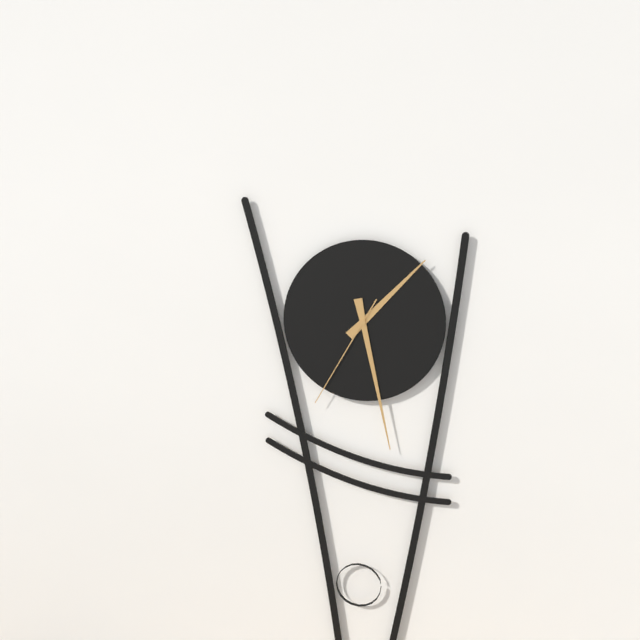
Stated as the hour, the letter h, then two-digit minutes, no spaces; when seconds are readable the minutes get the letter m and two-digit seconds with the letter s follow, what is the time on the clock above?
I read 1h28m35s
